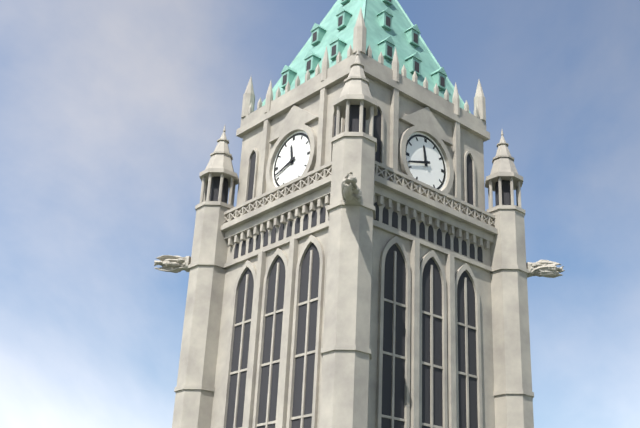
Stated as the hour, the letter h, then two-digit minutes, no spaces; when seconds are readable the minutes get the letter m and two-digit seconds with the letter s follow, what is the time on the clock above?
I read 11h42
